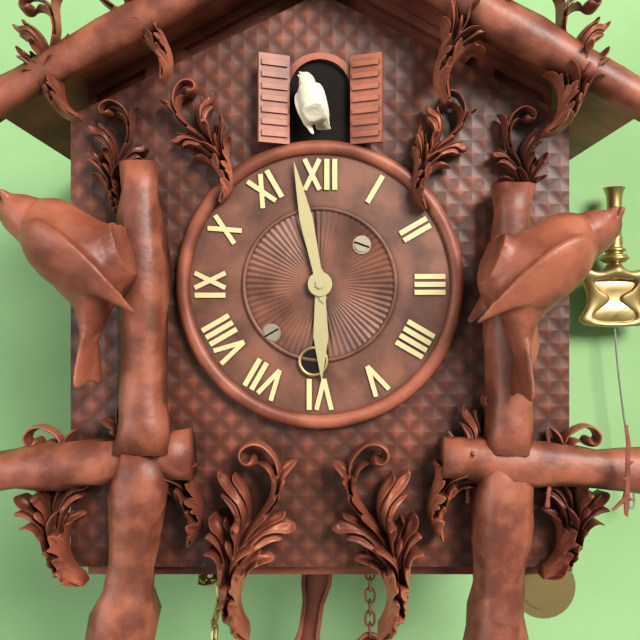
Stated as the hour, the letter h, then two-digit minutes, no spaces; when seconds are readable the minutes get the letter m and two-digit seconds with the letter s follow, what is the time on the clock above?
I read 5h58
